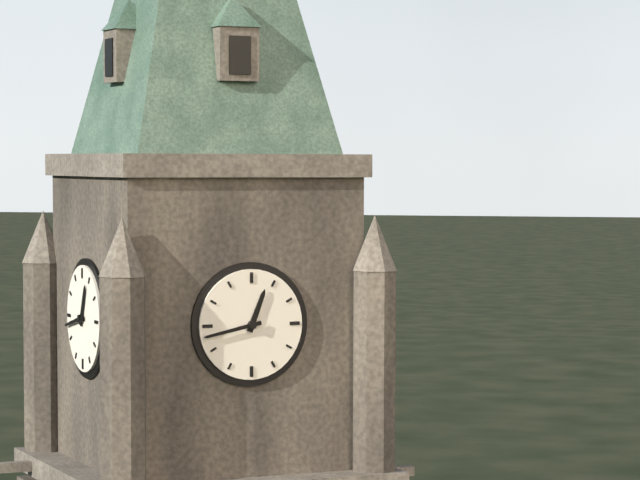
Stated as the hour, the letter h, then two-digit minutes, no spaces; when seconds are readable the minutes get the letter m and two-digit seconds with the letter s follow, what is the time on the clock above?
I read 12h43
